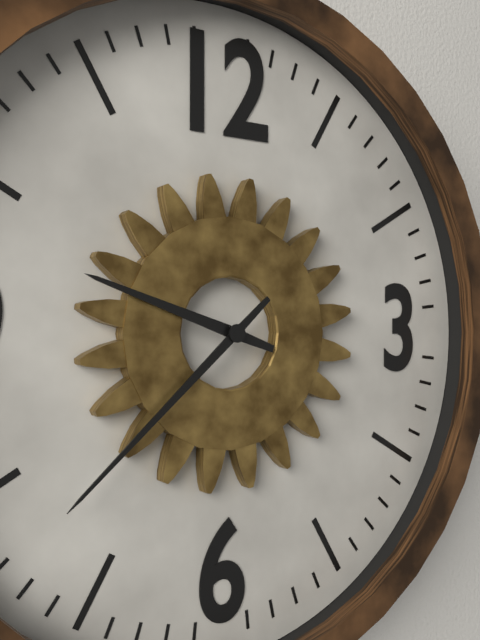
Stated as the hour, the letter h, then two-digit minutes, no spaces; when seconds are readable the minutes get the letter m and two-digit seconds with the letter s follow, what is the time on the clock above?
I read 9h38
